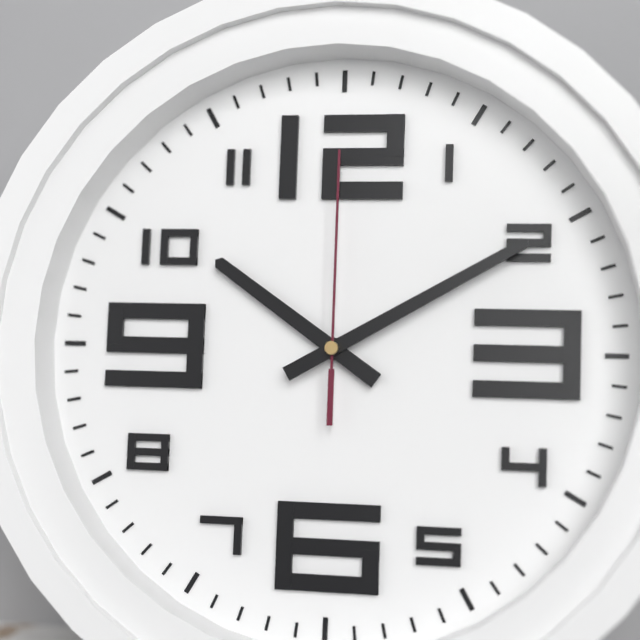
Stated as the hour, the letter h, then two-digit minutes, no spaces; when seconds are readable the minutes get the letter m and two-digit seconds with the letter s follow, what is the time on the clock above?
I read 10h10m00s
